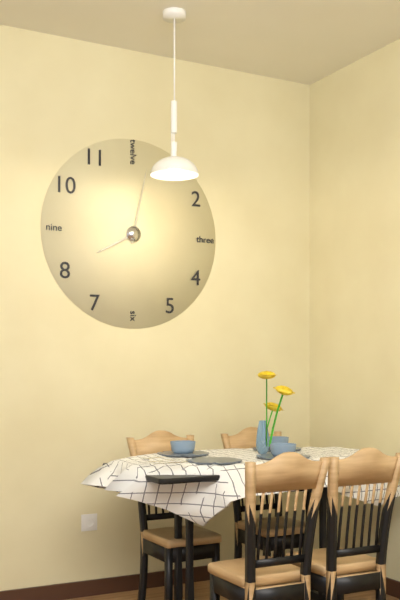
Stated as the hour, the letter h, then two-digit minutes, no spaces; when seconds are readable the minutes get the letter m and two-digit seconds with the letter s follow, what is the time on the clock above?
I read 8h02
